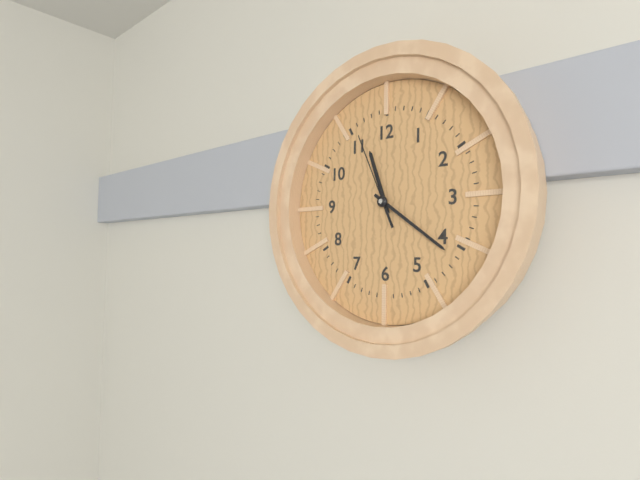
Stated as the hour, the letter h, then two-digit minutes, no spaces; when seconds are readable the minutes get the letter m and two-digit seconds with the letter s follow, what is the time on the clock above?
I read 11h21m56s
